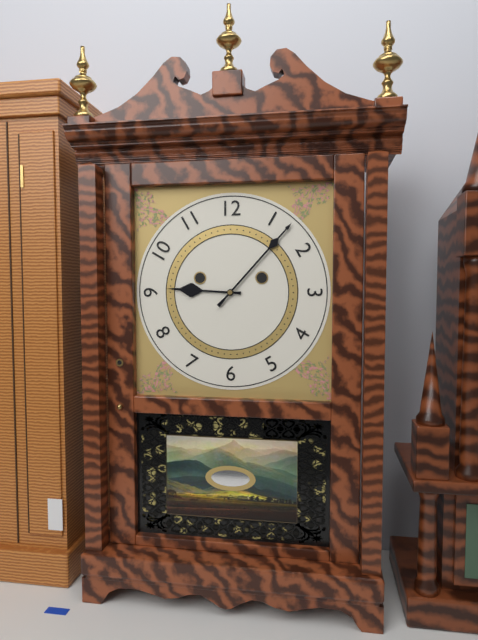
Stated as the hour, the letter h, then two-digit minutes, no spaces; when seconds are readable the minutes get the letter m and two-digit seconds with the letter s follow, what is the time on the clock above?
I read 9h07
